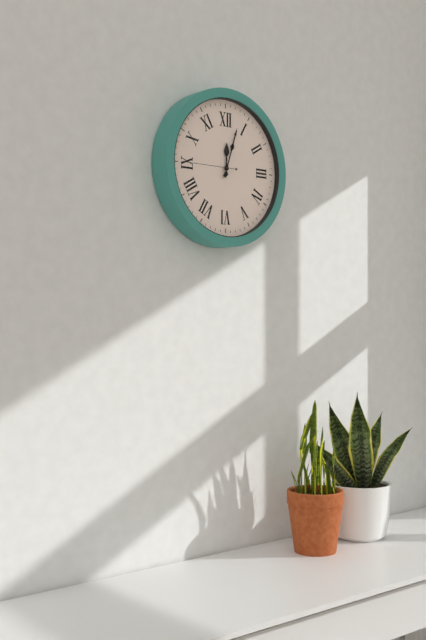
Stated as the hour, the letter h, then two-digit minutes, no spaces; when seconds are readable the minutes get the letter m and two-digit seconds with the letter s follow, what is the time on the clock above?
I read 12h03
